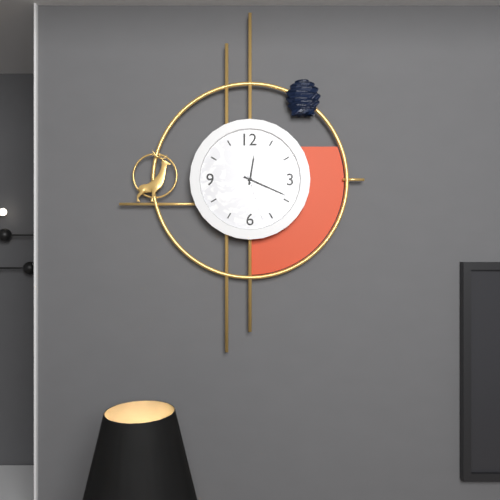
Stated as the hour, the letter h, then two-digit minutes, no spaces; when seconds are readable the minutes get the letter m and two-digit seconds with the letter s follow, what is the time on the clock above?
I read 12h19m27s
